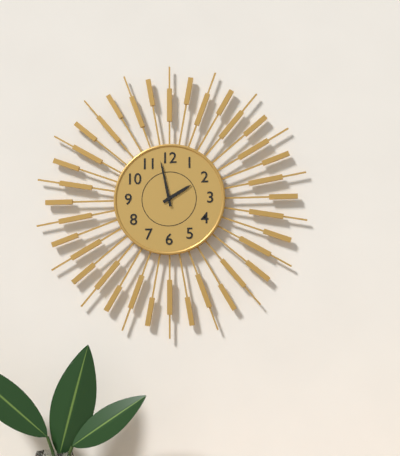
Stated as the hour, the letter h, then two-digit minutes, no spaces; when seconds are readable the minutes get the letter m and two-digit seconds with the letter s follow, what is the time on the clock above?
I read 1h58
